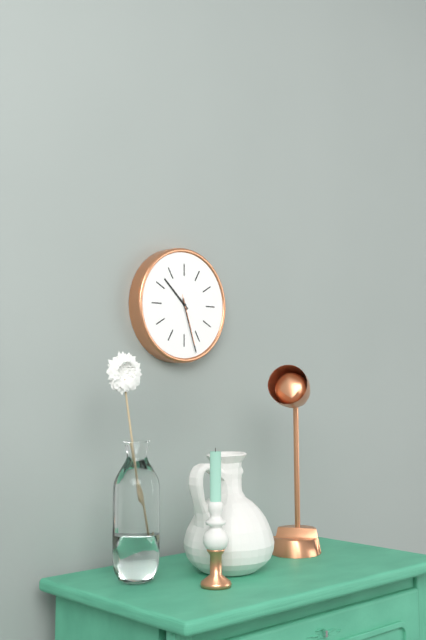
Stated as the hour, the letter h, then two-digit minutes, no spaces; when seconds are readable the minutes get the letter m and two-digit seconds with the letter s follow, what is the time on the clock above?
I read 10h27m27s
